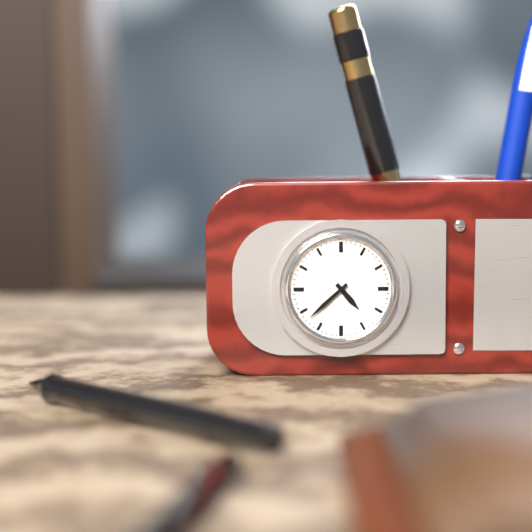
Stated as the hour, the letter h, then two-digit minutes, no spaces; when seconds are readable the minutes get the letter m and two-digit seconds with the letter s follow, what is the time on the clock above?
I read 4h38
